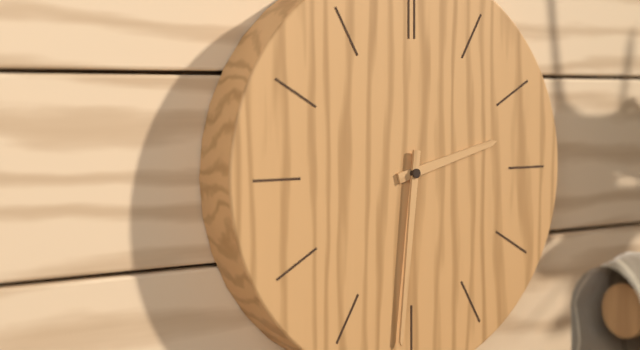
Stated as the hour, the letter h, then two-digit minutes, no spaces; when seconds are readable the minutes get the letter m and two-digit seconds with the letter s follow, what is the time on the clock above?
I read 2h31
